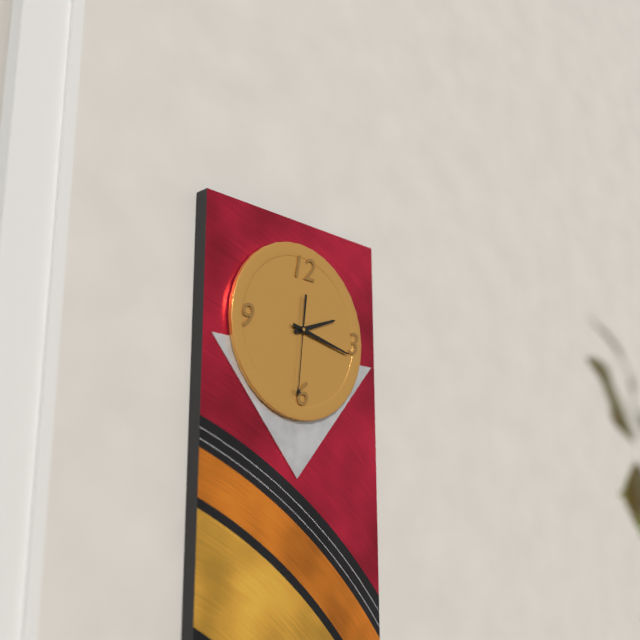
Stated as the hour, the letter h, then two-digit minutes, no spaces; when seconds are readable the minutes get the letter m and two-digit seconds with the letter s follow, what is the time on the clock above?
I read 2h17m31s
